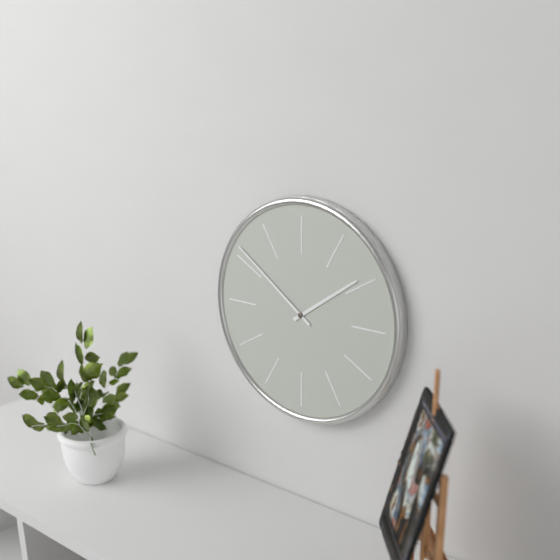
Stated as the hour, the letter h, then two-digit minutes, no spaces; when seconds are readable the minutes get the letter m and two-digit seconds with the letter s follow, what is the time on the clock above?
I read 1h51
